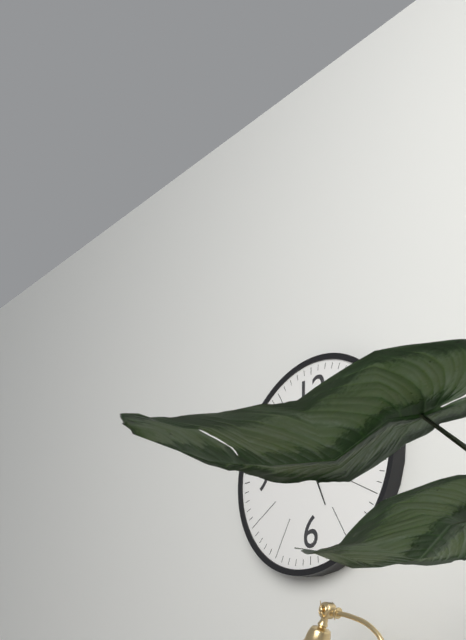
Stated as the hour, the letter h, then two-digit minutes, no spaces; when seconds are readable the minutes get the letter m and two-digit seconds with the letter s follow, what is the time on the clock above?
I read 5h13
